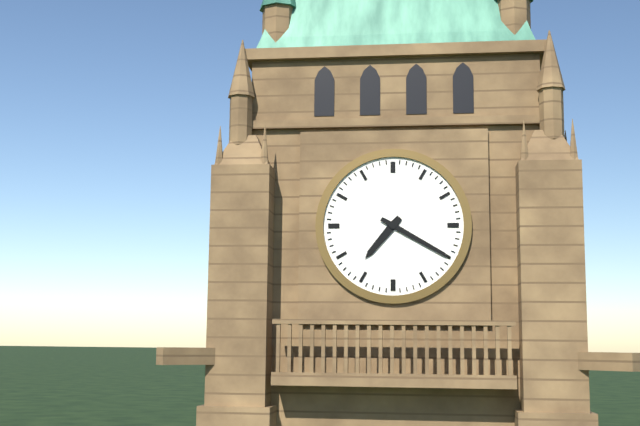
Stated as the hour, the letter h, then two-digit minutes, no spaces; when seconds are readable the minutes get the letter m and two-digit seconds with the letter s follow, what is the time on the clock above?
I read 7h20
